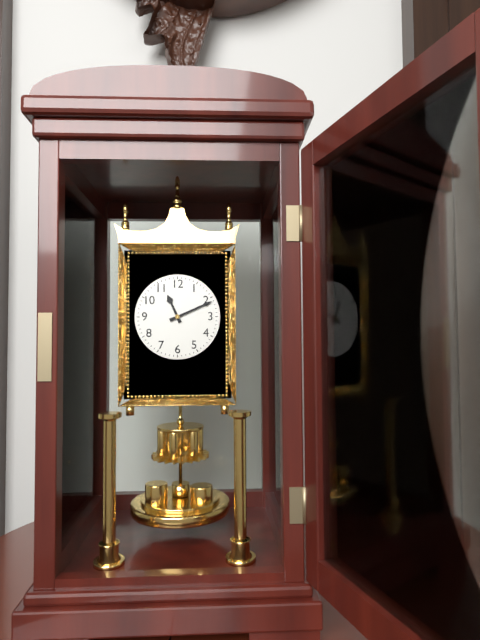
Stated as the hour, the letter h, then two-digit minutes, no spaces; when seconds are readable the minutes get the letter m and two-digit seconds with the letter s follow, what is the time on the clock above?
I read 11h11
